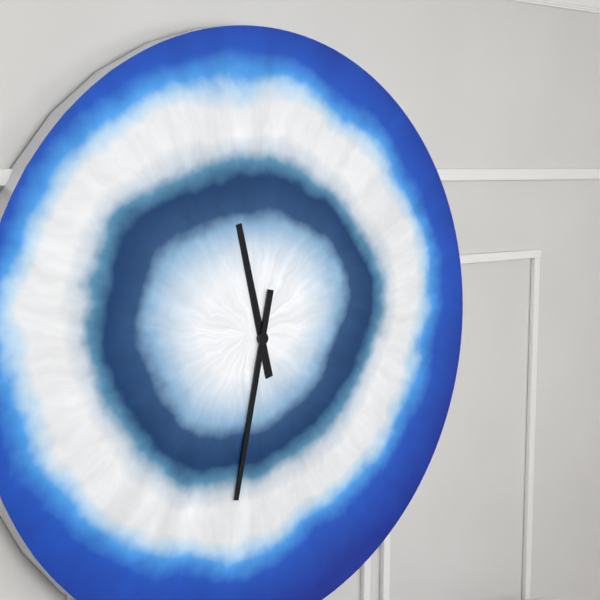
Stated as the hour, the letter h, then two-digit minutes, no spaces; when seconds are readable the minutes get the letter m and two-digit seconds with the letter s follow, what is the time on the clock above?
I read 11h32
